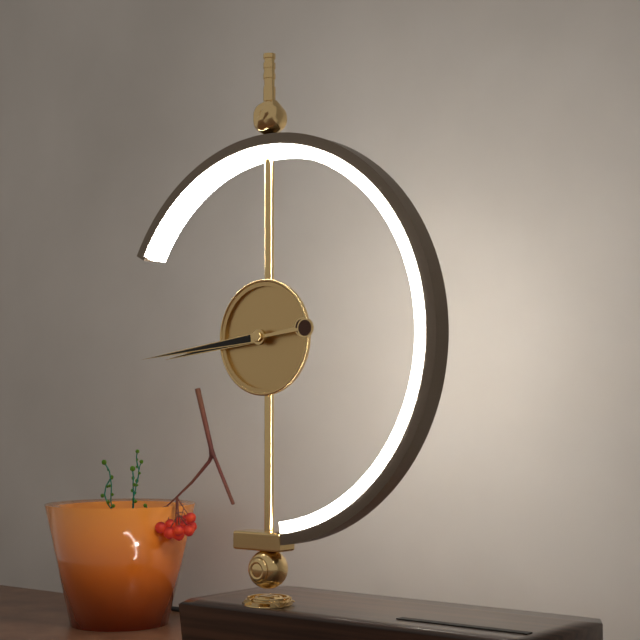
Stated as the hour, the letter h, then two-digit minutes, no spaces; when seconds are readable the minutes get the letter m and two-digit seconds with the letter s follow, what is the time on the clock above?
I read 8h44
